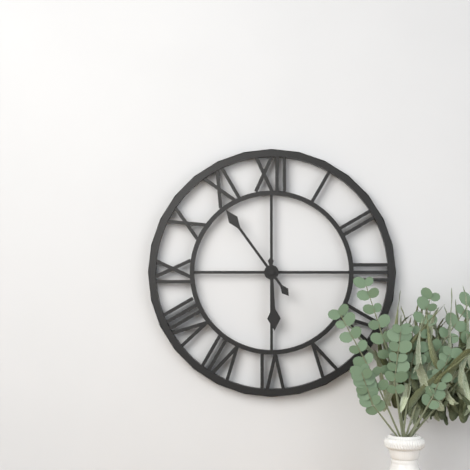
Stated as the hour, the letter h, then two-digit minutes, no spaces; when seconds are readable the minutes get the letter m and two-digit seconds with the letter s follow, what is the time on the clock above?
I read 5h54
